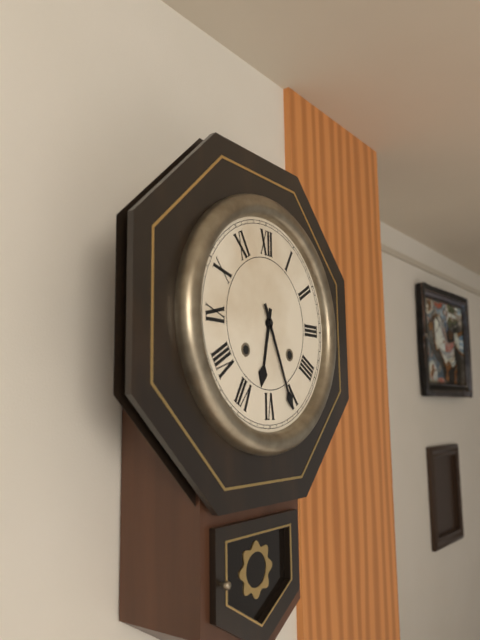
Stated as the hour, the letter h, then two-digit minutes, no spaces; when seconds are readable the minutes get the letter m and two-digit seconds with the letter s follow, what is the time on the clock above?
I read 6h26
